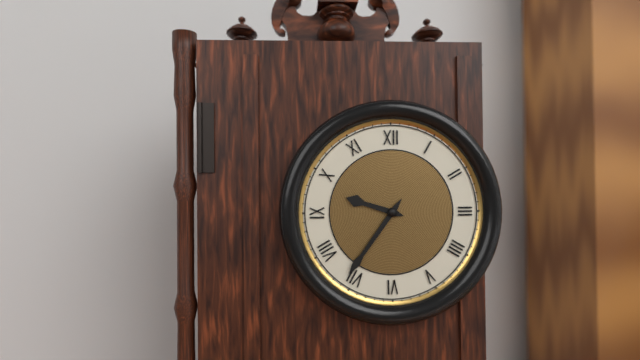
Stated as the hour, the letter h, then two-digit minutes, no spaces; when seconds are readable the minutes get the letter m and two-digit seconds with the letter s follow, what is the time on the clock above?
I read 9h36
